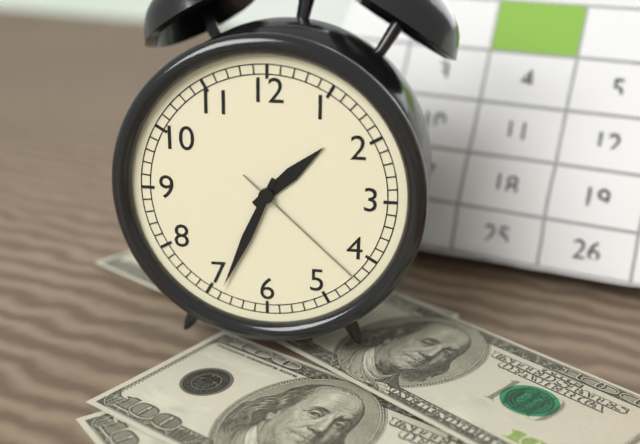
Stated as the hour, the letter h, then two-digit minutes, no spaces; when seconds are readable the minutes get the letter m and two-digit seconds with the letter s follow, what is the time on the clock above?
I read 1h34m22s
